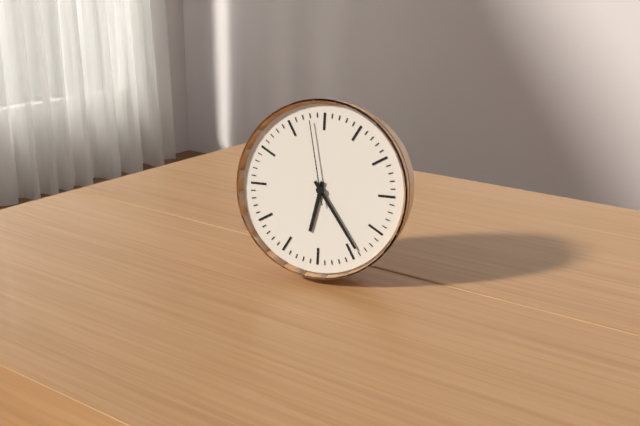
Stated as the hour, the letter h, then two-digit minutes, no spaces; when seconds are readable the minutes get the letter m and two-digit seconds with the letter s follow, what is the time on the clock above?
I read 6h24m58s
